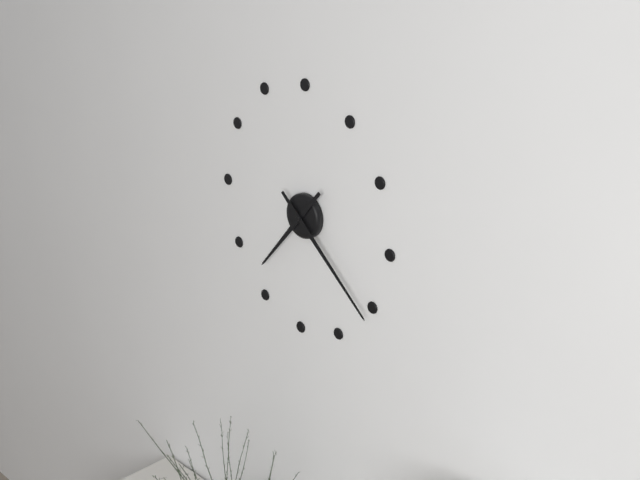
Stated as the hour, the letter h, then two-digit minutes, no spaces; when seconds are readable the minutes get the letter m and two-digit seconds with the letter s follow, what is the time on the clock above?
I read 7h22
